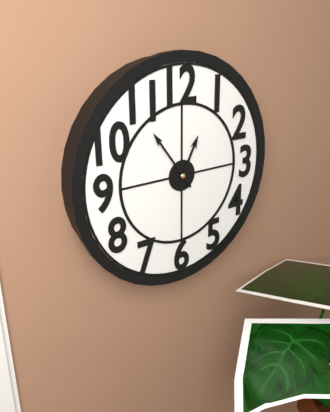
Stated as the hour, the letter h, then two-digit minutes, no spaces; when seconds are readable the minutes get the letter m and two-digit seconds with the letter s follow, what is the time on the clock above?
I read 12h54
